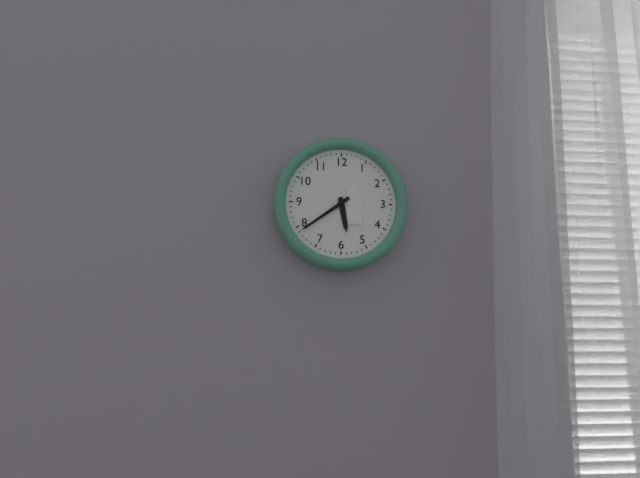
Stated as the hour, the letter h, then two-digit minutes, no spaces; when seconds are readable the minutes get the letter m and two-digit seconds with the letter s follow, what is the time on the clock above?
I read 5h39
